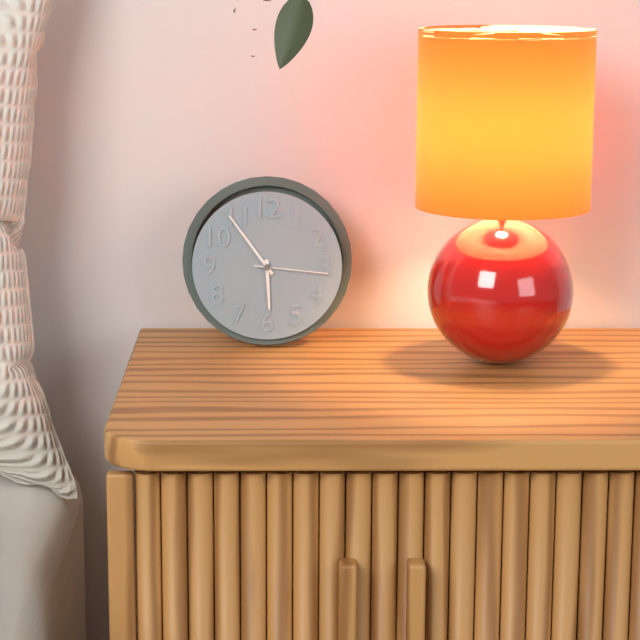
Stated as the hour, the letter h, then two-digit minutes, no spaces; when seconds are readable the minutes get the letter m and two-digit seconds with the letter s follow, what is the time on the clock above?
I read 5h54m16s
